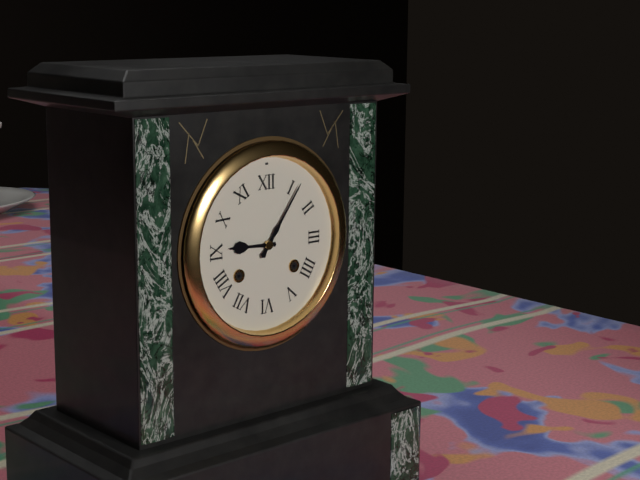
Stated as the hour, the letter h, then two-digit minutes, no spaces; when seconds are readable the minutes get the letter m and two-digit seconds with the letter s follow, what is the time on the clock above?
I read 9h06
